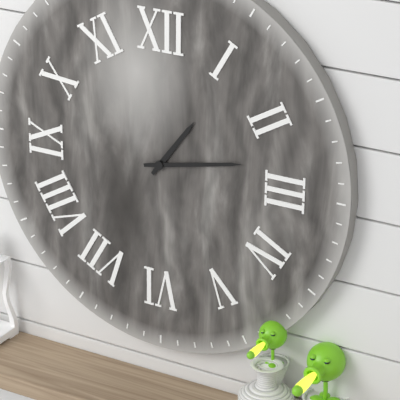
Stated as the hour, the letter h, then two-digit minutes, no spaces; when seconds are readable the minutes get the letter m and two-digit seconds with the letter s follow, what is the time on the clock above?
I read 1h13
